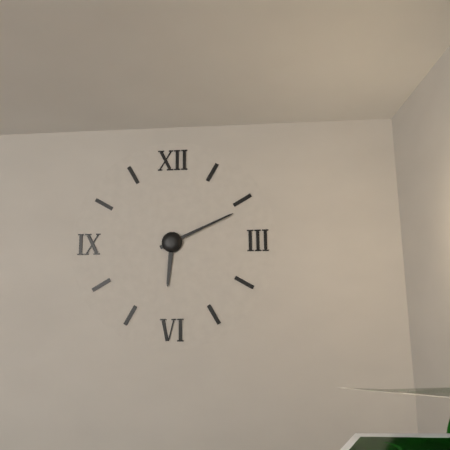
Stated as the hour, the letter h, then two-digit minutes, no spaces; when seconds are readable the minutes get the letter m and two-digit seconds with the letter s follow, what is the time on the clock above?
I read 6h11
